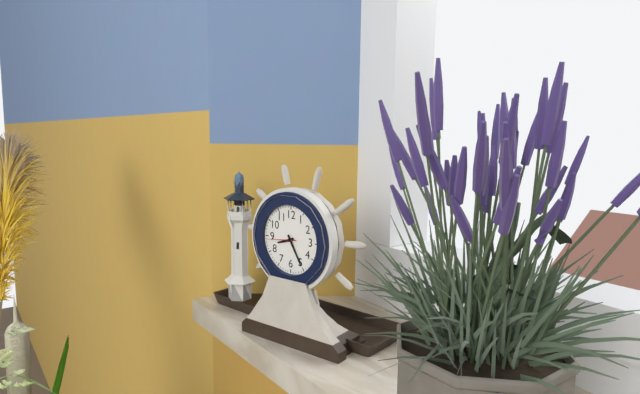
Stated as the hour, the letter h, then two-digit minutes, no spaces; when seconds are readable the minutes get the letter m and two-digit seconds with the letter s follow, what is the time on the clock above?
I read 8h25
